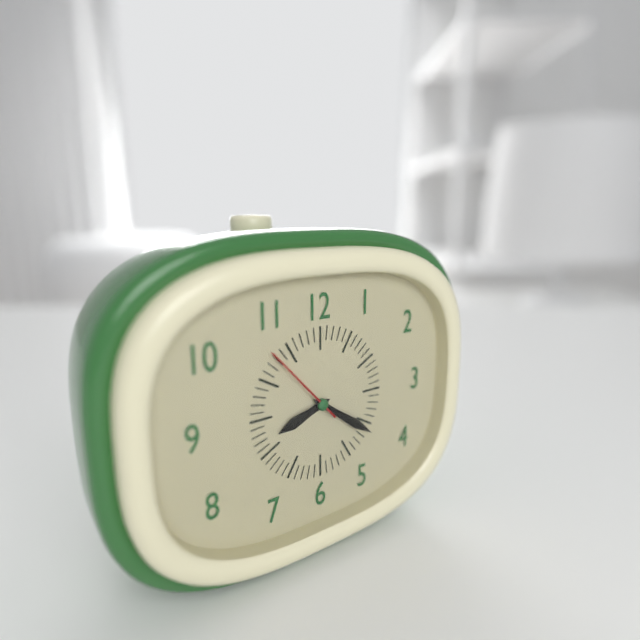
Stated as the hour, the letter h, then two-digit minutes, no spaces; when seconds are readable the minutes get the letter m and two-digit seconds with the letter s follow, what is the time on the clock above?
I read 8h21
